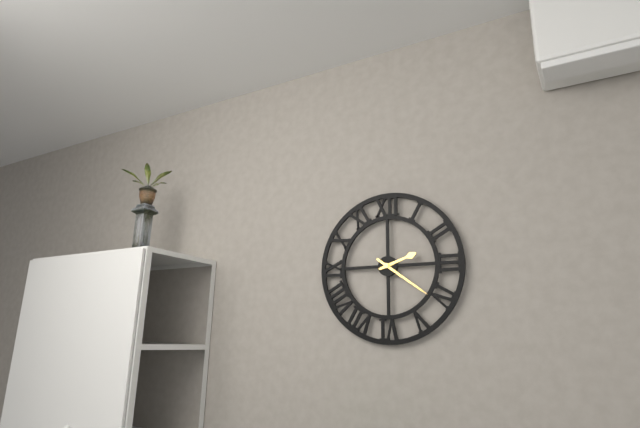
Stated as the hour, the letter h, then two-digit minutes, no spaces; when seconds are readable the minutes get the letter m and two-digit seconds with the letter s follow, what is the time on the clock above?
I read 2h21
